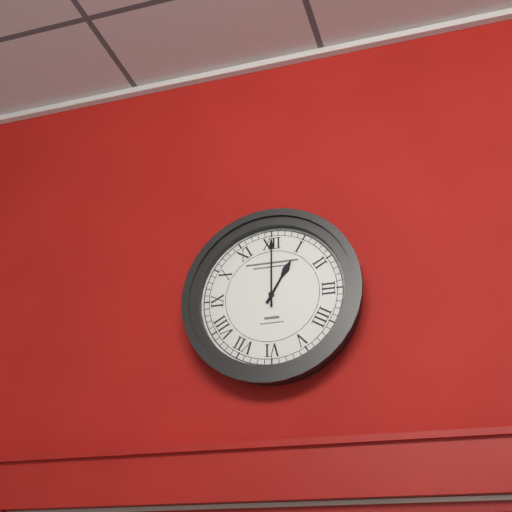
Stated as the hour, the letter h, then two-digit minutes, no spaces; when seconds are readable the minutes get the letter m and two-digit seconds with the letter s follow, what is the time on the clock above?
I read 1h00
